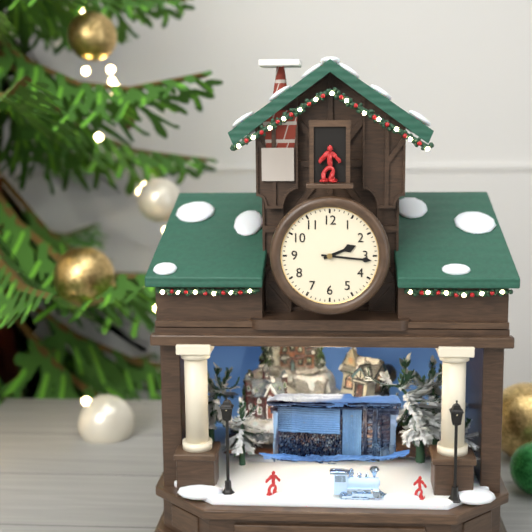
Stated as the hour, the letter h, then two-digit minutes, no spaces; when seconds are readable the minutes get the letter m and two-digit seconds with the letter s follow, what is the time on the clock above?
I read 2h16
